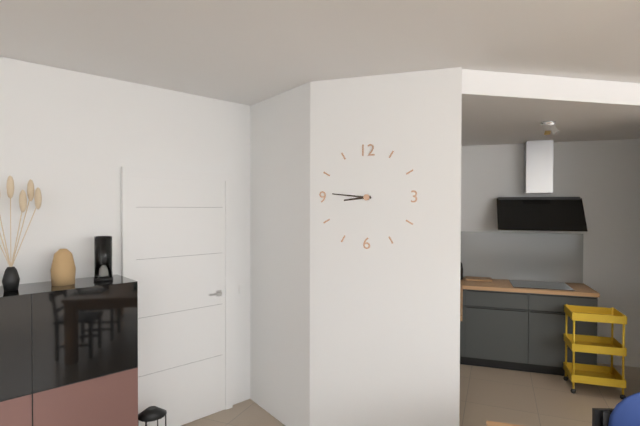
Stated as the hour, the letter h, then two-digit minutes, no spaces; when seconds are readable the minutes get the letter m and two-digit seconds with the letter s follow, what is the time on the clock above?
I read 8h46
